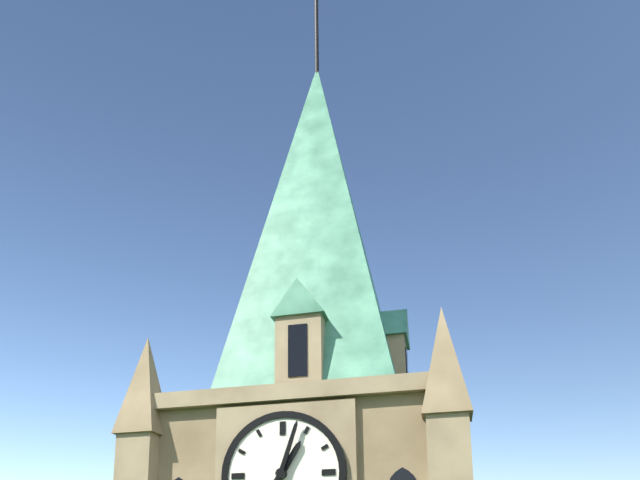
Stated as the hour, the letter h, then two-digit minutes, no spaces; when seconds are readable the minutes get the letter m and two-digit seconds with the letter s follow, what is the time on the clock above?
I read 1h03
